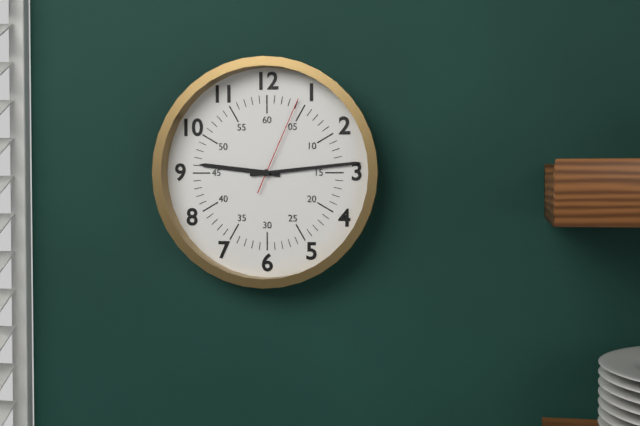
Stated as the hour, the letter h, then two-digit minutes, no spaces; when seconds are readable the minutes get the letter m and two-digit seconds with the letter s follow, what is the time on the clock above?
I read 9h14m04s
